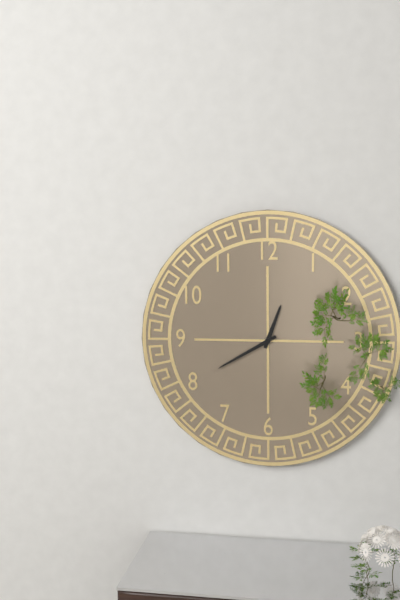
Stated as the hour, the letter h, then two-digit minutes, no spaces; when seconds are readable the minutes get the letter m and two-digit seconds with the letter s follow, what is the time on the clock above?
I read 12h40
